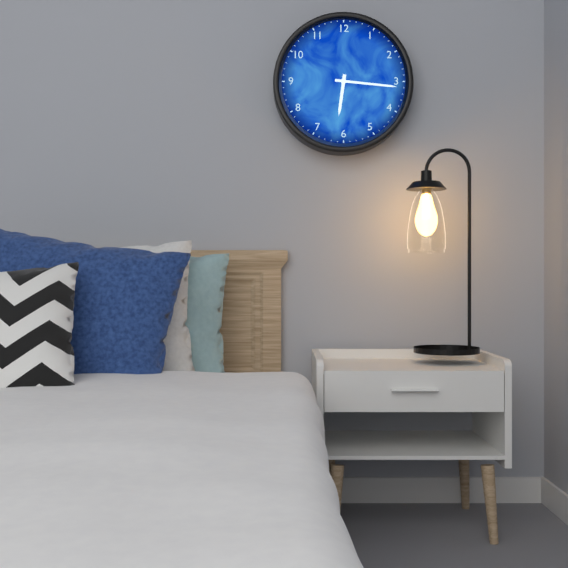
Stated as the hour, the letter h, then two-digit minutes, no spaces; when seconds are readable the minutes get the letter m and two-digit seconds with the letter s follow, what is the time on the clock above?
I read 6h16
